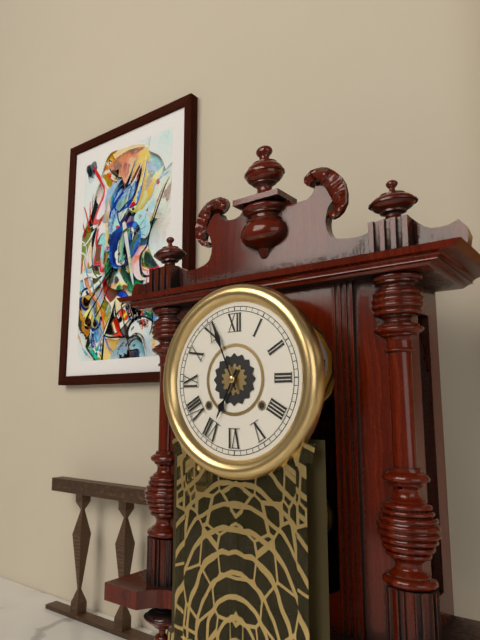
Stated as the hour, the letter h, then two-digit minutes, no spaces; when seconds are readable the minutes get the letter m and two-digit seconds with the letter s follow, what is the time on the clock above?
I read 6h56
